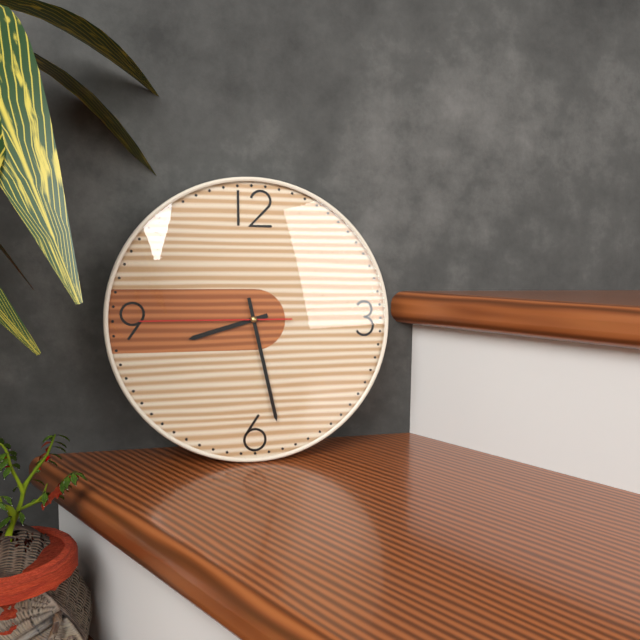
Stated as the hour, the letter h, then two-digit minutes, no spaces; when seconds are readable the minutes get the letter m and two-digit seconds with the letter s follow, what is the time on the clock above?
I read 8h28m45s
